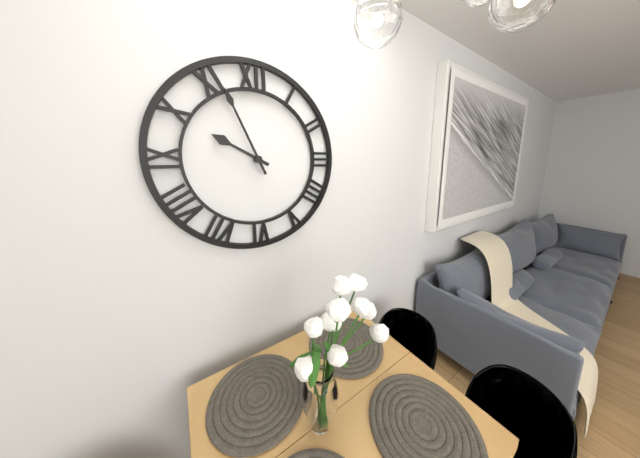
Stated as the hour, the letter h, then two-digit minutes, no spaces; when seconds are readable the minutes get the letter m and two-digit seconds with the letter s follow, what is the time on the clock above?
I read 9h56
